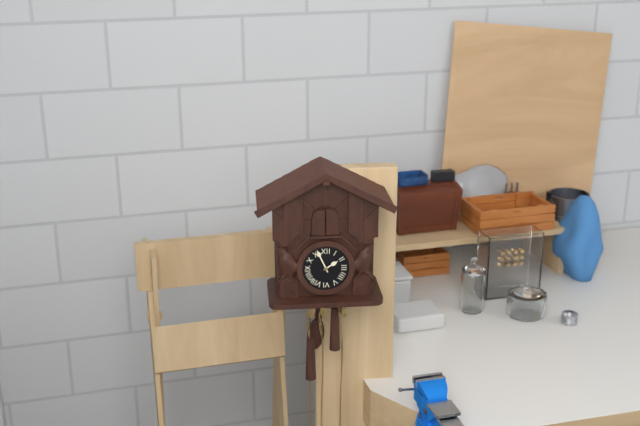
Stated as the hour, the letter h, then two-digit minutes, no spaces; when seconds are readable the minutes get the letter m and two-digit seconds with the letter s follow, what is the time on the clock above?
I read 1h56
